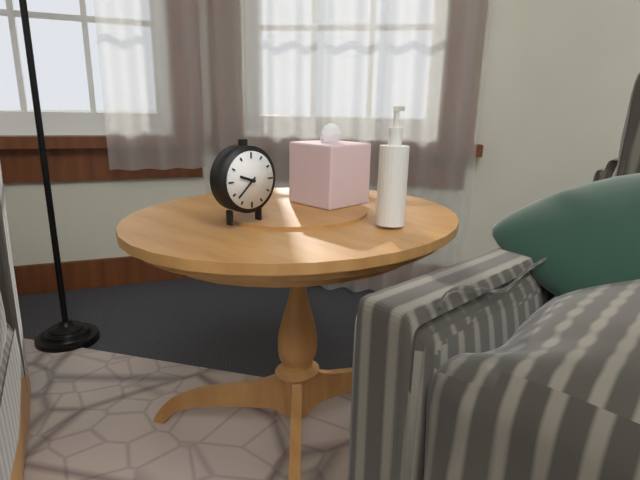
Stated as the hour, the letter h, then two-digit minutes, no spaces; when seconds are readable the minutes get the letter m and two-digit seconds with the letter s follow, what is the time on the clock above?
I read 9h38
